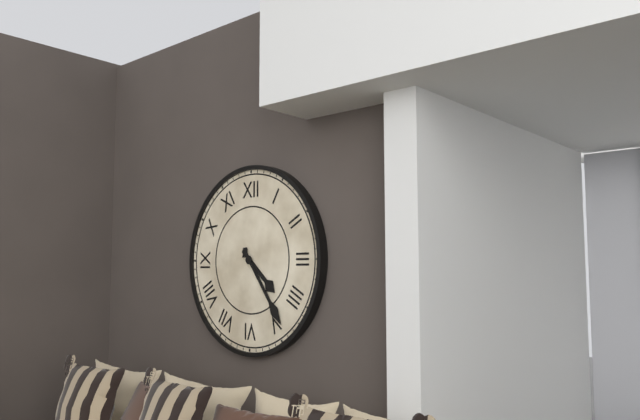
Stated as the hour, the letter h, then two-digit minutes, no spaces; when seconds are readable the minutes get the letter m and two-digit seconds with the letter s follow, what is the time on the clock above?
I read 4h24
